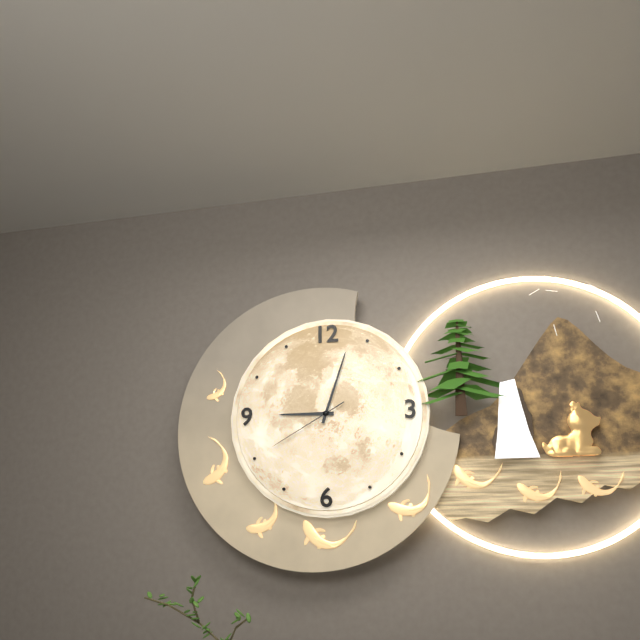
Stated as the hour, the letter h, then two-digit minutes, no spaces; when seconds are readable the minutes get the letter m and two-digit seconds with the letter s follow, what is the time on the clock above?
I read 9h03m40s
